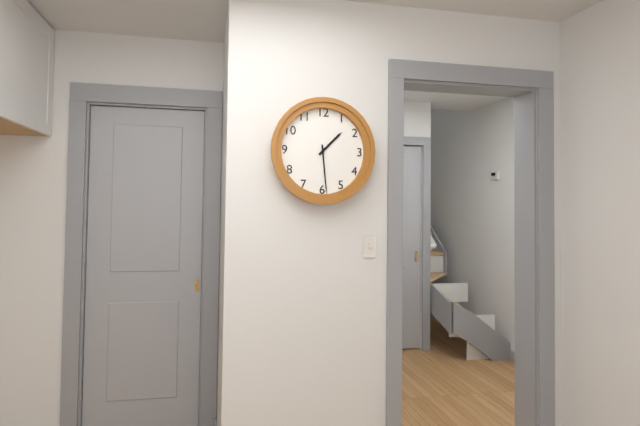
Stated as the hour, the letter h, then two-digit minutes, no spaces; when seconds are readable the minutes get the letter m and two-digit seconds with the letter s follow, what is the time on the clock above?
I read 1h29
